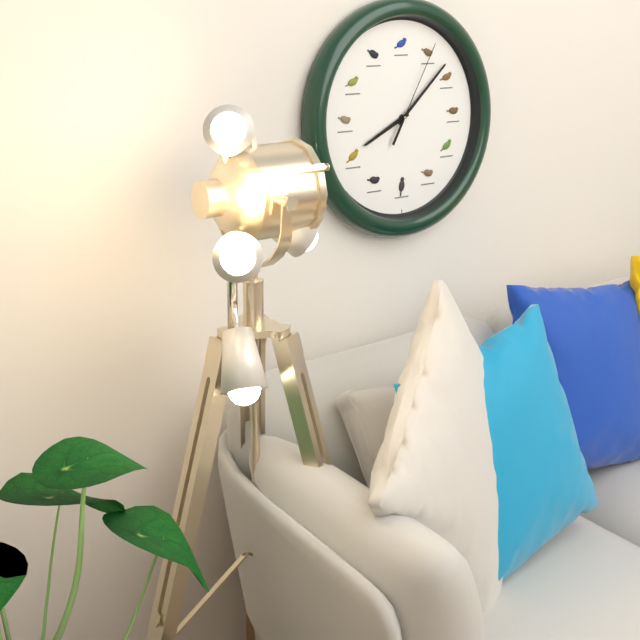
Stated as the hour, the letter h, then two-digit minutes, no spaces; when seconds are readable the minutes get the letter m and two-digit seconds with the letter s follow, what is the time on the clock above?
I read 8h08m05s
